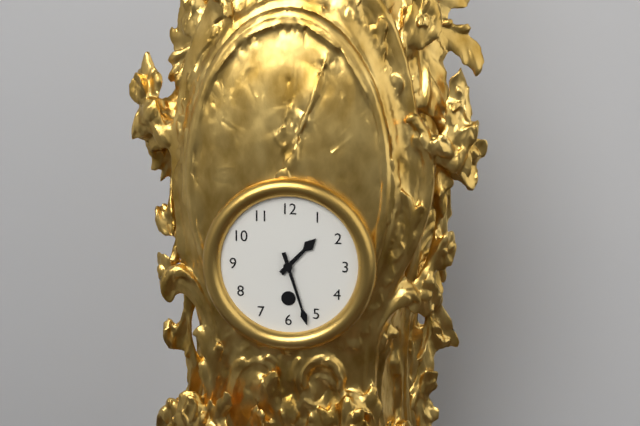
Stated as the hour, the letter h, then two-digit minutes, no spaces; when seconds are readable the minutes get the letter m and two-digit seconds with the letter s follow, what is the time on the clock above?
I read 1h27
